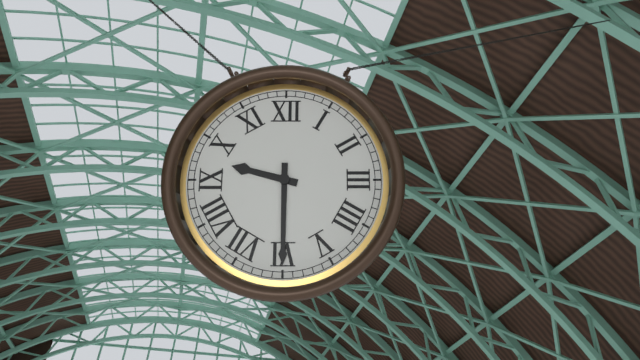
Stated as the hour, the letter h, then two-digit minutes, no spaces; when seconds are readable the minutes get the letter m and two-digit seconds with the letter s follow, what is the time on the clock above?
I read 9h30
